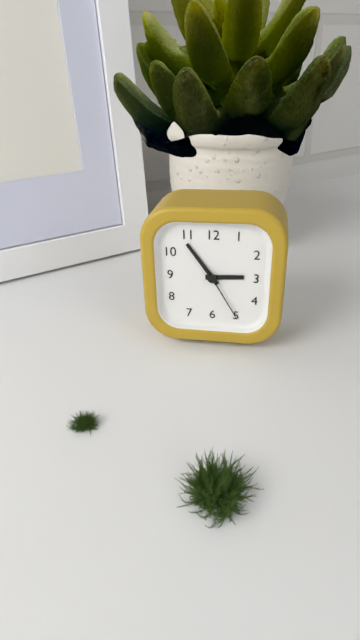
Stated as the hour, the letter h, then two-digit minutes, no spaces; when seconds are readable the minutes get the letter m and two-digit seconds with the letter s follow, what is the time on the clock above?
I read 2h54m25s
